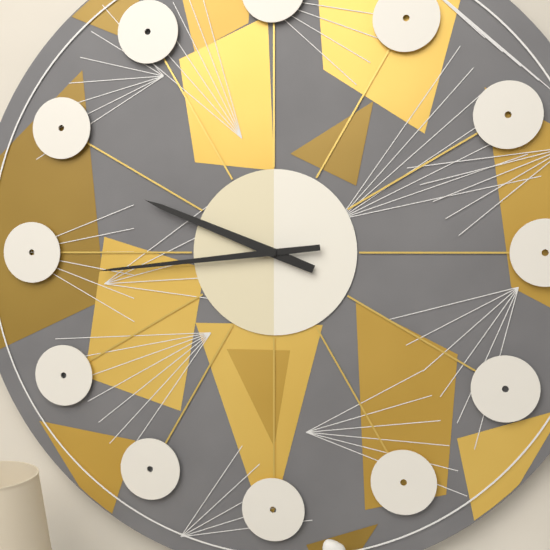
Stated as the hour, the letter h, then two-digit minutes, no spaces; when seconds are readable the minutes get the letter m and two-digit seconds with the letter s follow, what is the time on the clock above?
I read 9h44
